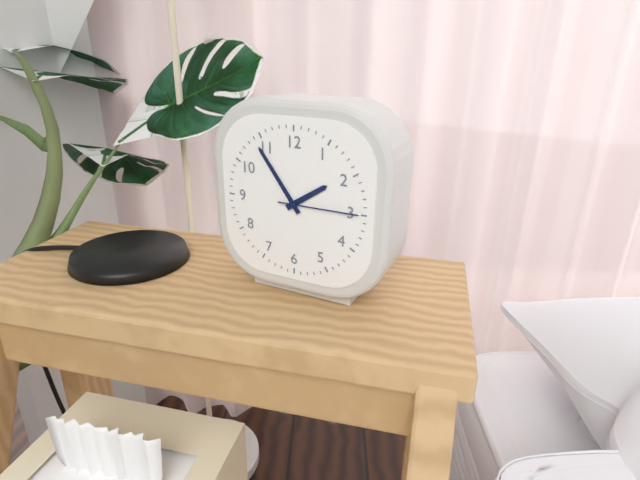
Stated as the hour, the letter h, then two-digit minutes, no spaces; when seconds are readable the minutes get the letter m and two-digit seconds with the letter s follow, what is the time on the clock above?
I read 1h54m15s
